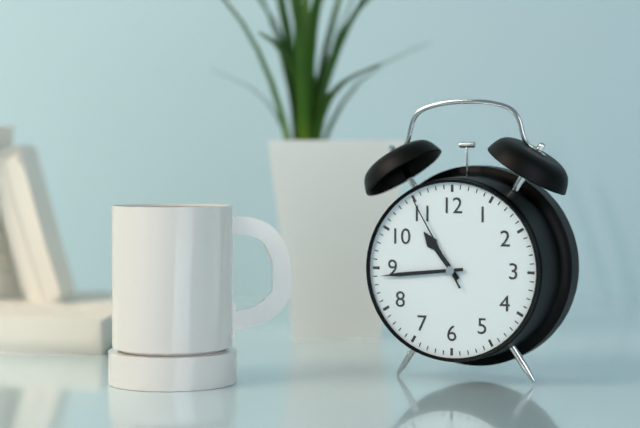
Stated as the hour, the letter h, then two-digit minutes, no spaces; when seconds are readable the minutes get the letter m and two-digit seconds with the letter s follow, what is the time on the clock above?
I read 10h44m55s
